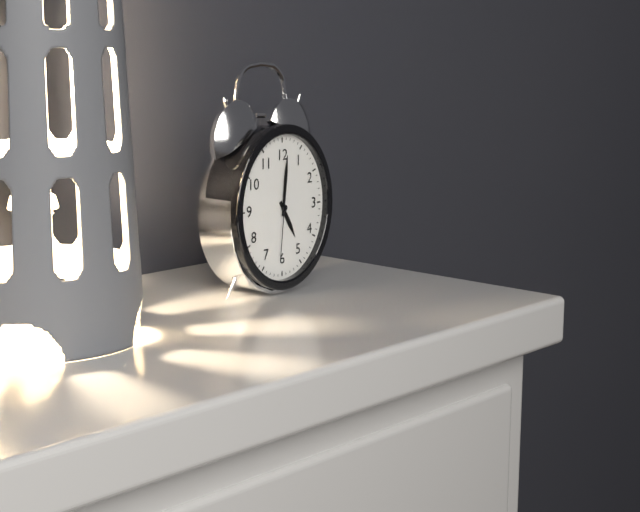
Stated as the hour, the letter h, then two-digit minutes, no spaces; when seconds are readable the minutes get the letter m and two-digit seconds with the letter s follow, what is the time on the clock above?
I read 5h01m31s
